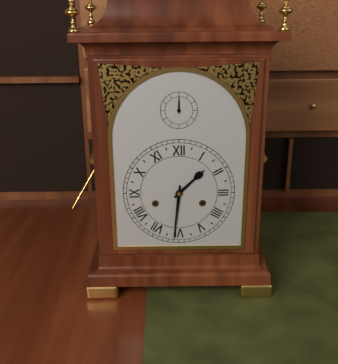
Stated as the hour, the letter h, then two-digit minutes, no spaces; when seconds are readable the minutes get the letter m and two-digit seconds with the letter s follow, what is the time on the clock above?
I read 1h31
